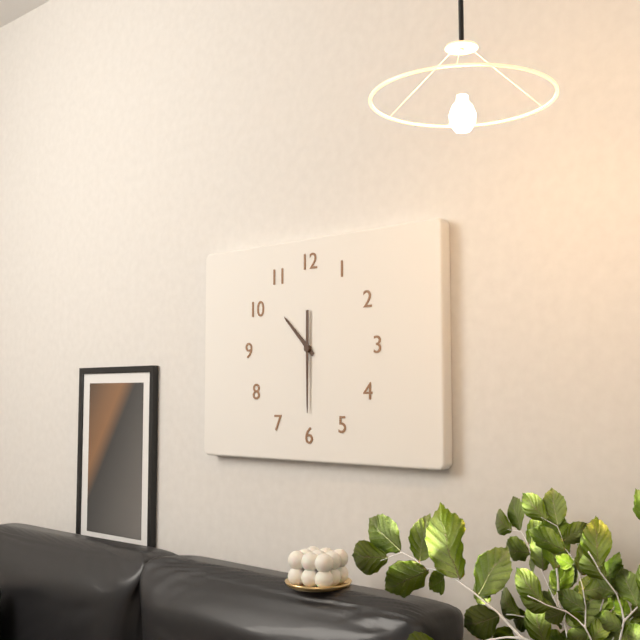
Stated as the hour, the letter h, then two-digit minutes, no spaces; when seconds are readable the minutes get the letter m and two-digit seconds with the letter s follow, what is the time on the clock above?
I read 10h30
